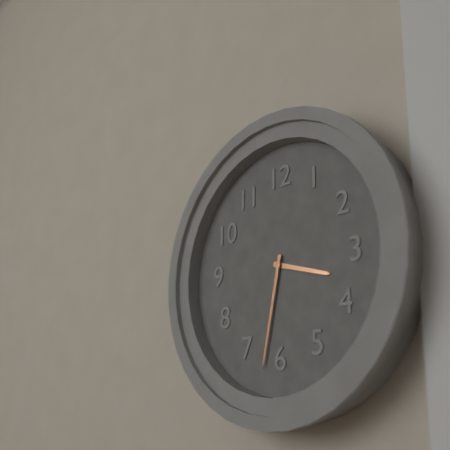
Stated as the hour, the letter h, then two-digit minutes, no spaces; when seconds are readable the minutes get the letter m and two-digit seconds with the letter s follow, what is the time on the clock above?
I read 3h32
